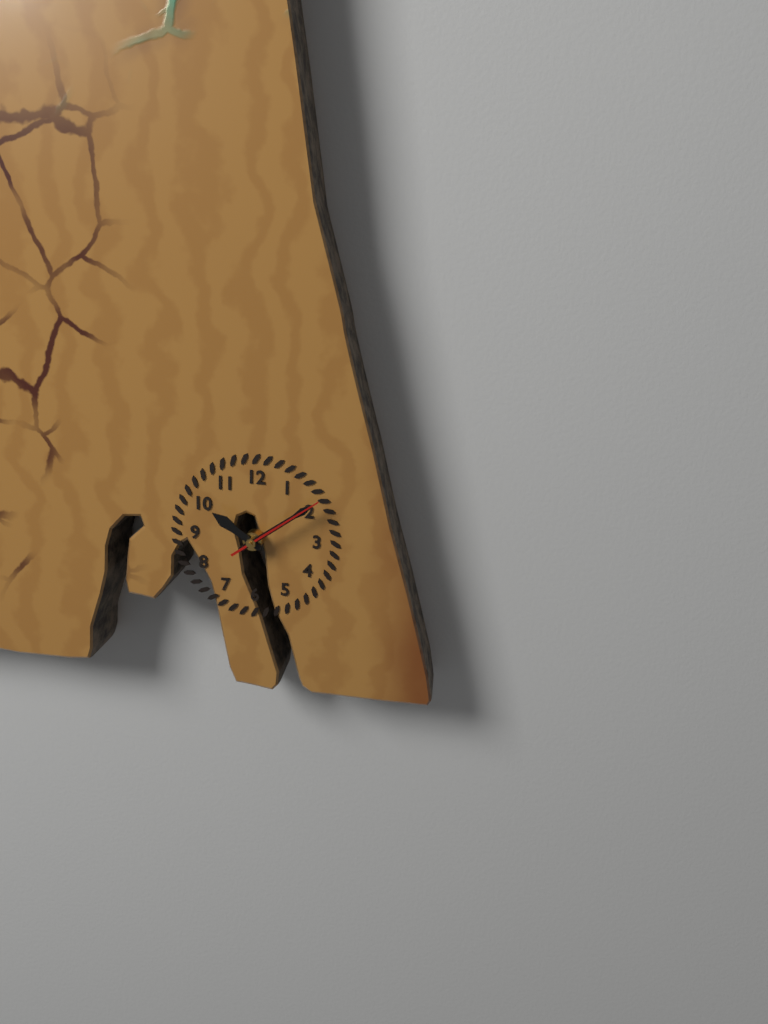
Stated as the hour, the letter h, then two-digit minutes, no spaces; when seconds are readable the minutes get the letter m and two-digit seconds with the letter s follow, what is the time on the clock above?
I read 10h09m09s
